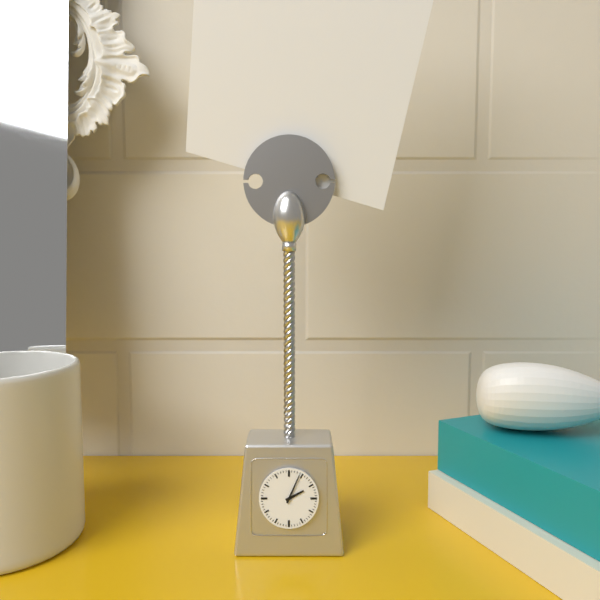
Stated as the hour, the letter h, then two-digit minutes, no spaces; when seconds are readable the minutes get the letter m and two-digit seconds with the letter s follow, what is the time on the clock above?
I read 2h04
